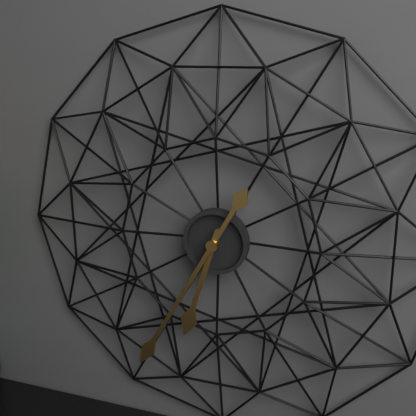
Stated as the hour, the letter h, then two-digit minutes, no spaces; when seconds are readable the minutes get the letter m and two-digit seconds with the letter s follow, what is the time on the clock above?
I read 6h35
